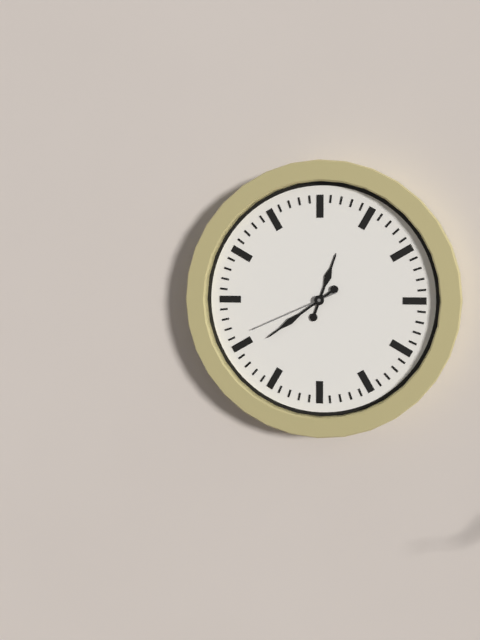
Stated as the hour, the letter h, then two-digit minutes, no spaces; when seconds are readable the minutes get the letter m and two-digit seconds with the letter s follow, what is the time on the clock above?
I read 12h39m41s
